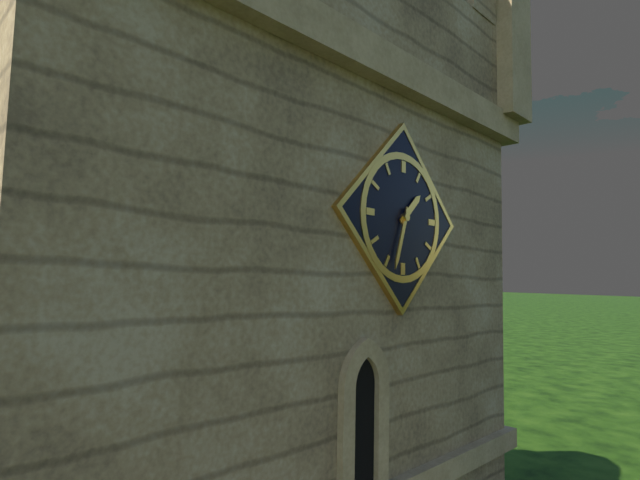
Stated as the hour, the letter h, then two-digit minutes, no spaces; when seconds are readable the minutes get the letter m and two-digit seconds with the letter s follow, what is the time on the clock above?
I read 1h33
